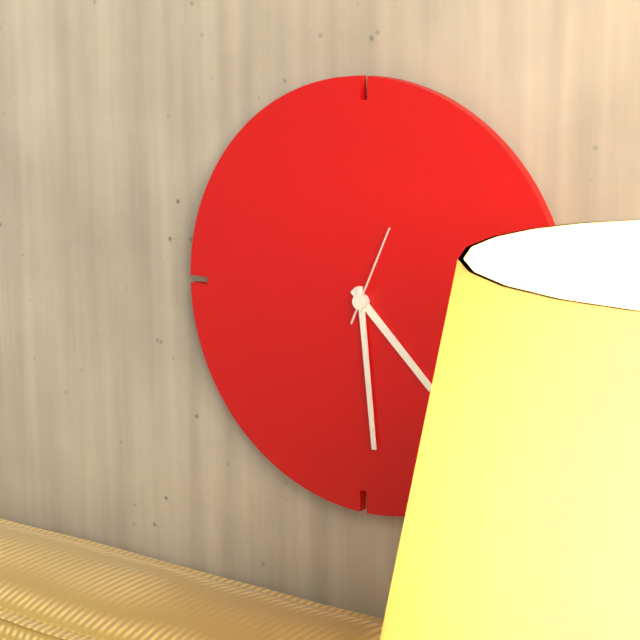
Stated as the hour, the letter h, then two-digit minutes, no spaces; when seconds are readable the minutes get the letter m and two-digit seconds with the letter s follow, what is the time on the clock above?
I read 4h29m04s
